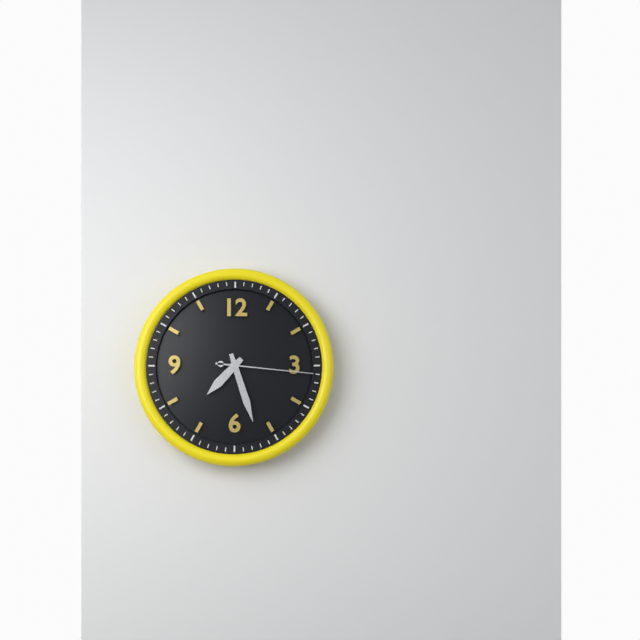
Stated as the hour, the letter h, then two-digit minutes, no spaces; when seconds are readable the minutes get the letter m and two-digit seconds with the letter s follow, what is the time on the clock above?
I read 7h27m16s
